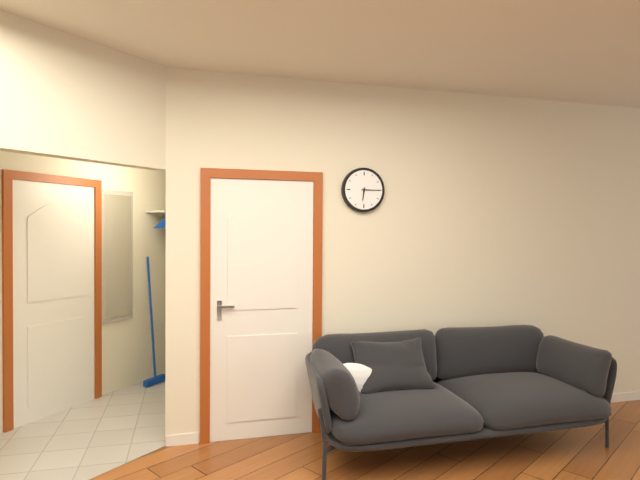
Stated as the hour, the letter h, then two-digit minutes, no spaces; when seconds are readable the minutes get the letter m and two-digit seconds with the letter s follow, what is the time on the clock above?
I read 6h15
